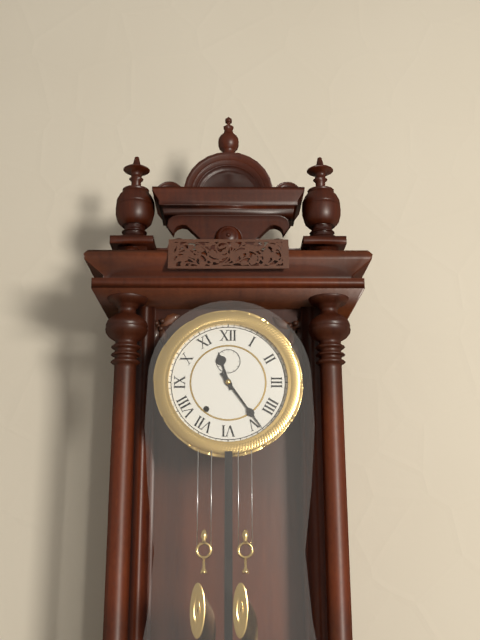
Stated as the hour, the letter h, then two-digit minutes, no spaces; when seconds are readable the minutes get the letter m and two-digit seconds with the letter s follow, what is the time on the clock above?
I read 11h24
